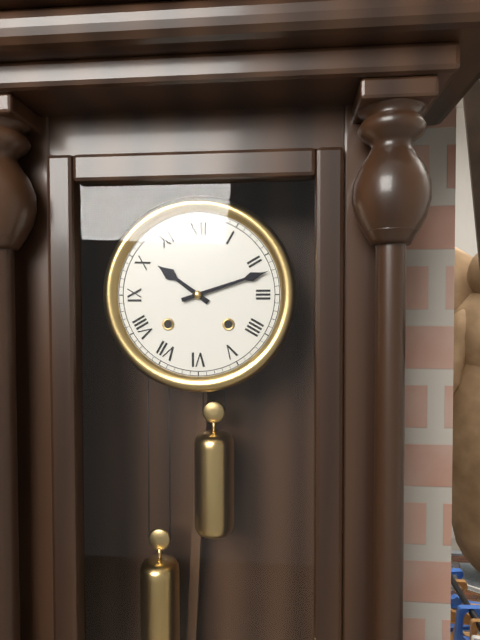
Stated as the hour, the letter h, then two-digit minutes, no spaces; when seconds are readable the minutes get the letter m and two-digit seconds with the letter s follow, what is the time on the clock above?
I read 10h12
